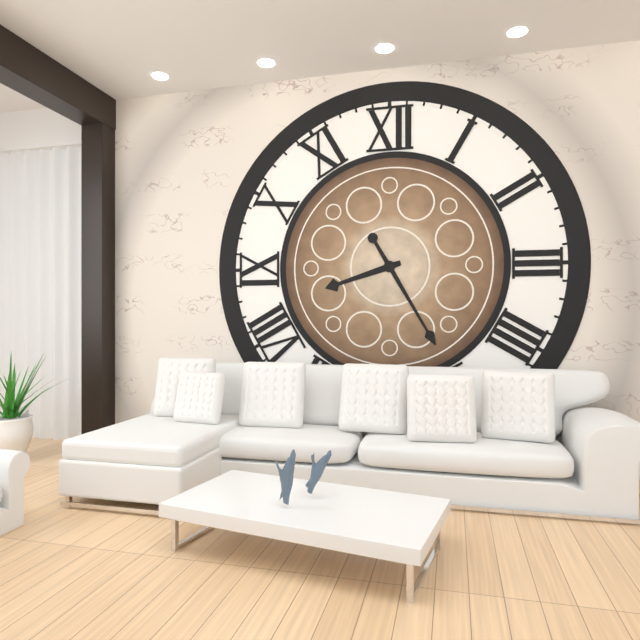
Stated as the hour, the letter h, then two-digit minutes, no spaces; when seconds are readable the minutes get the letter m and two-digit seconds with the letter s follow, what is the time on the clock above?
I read 8h25
